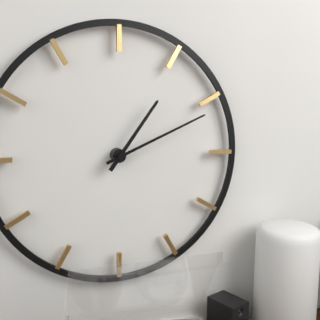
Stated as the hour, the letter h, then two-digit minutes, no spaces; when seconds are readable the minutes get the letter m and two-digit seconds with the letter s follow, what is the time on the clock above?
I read 1h11
